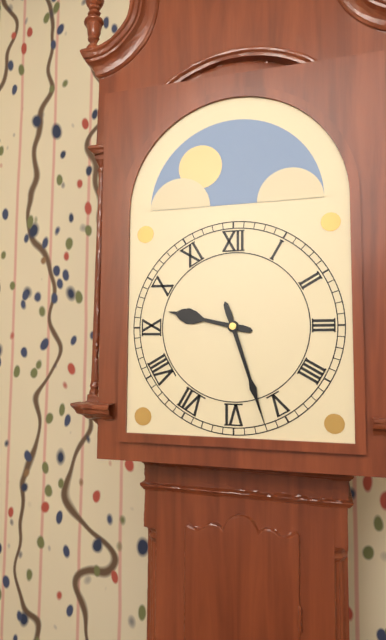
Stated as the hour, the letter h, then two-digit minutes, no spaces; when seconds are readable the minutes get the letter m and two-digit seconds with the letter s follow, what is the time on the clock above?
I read 9h27
